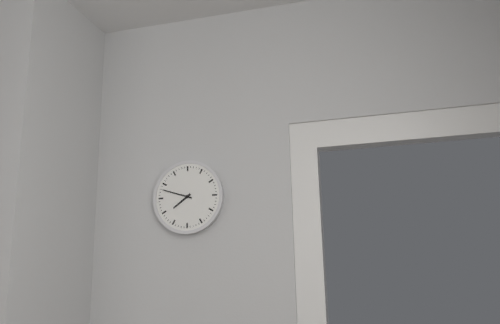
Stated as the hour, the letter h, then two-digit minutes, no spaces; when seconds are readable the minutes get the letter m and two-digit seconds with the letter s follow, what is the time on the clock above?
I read 7h48
